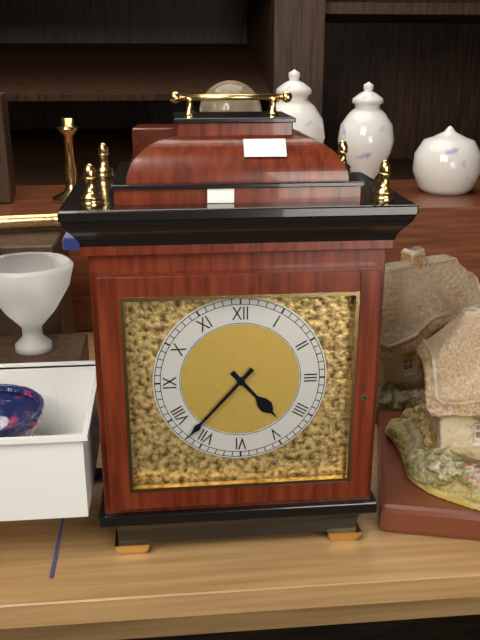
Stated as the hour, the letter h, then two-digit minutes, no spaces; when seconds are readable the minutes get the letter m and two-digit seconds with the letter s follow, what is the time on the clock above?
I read 4h37
